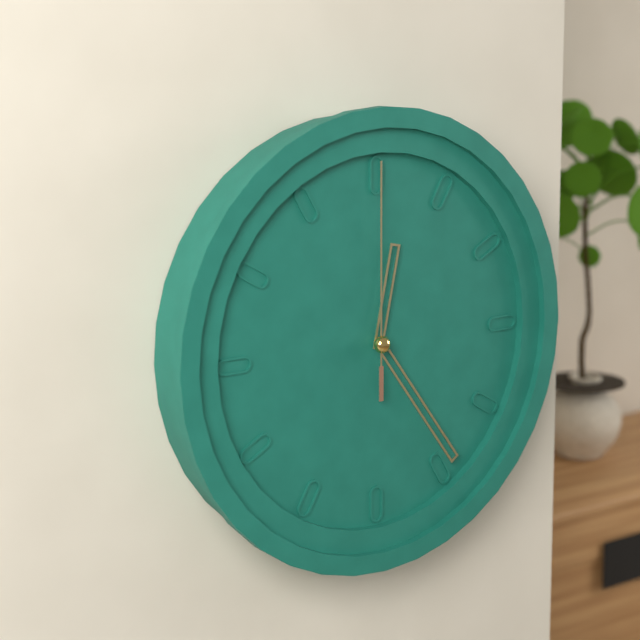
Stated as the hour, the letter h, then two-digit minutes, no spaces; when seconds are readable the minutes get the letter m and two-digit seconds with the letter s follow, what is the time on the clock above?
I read 12h24m00s
